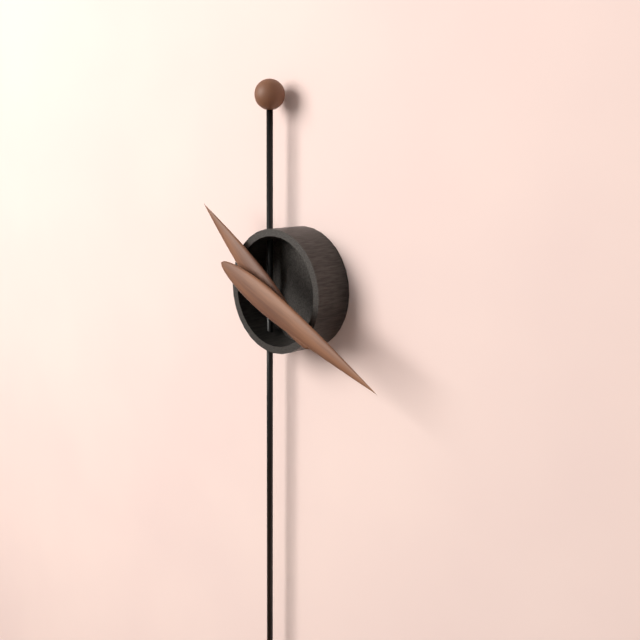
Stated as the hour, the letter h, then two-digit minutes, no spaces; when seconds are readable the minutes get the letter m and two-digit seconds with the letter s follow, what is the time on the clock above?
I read 10h19
